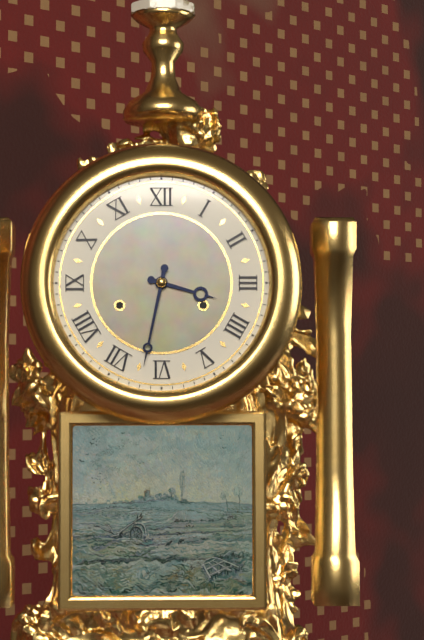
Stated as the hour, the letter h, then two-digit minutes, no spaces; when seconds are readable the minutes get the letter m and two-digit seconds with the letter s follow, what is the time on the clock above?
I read 3h32
